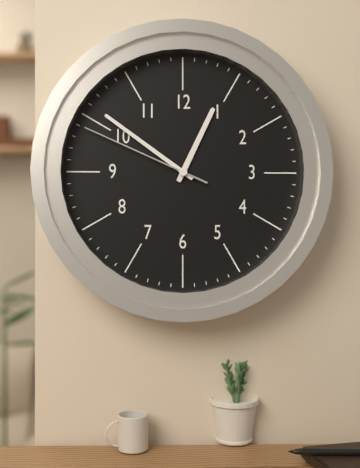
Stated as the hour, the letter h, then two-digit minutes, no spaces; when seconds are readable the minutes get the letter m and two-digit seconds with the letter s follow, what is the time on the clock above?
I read 12h51m49s
